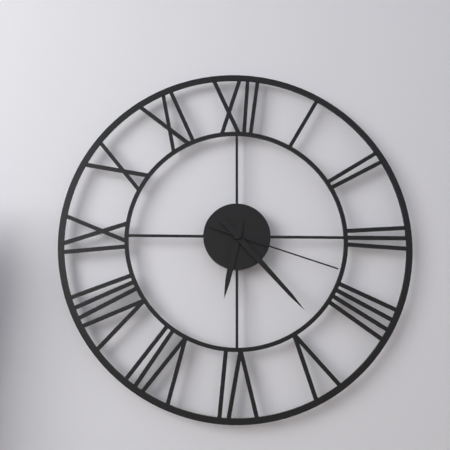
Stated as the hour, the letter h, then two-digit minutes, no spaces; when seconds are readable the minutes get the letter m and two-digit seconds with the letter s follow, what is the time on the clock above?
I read 6h23m18s
